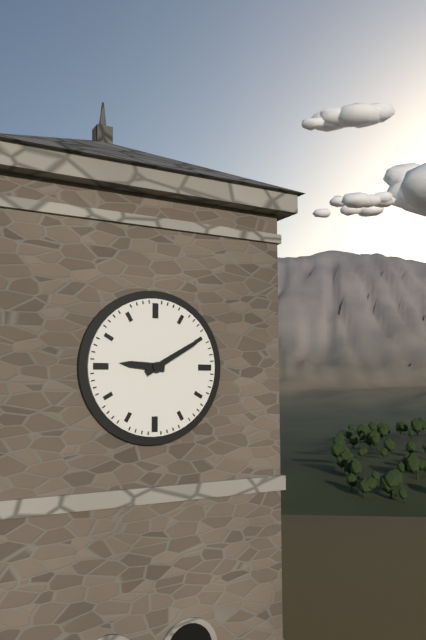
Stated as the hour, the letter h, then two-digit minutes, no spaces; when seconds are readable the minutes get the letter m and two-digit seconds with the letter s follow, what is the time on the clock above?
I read 9h10
